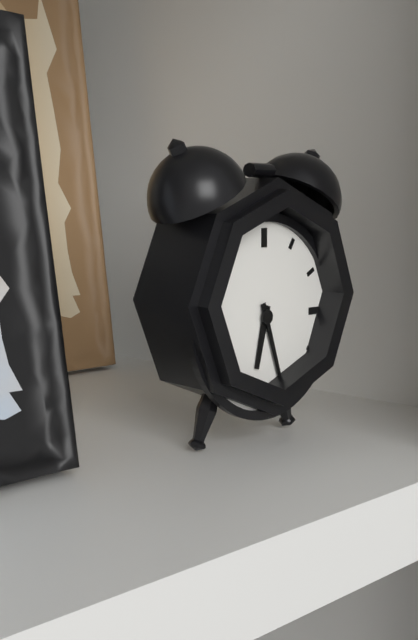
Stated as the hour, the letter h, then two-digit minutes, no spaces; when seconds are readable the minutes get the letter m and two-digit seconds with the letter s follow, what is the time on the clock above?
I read 6h27
